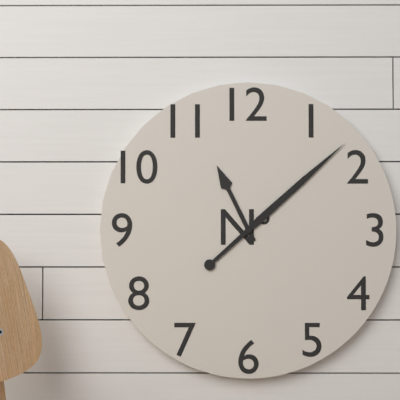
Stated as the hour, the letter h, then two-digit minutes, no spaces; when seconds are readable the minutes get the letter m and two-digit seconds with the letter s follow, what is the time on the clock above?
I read 11h08
